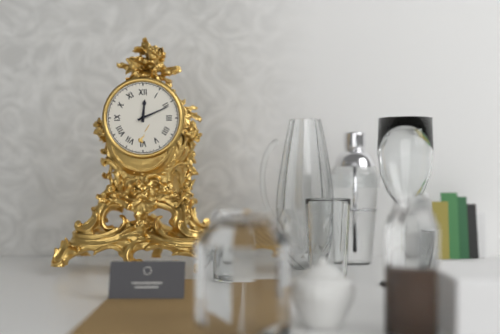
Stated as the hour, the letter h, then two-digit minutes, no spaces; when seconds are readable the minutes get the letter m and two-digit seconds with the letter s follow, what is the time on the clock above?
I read 12h11
